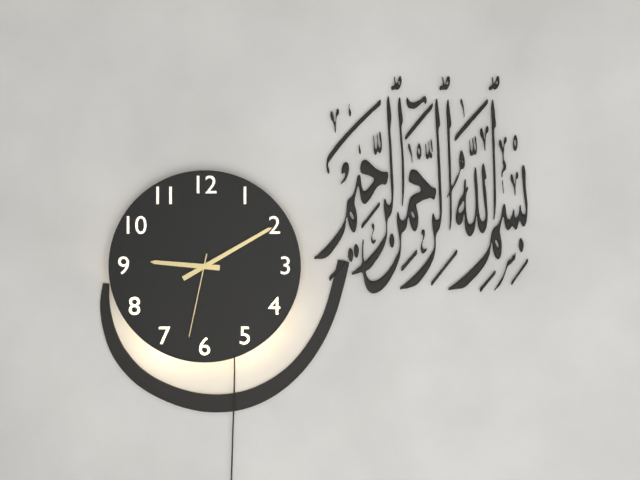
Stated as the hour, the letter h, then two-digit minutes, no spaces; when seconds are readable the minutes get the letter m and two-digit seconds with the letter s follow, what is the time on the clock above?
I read 9h10m32s
